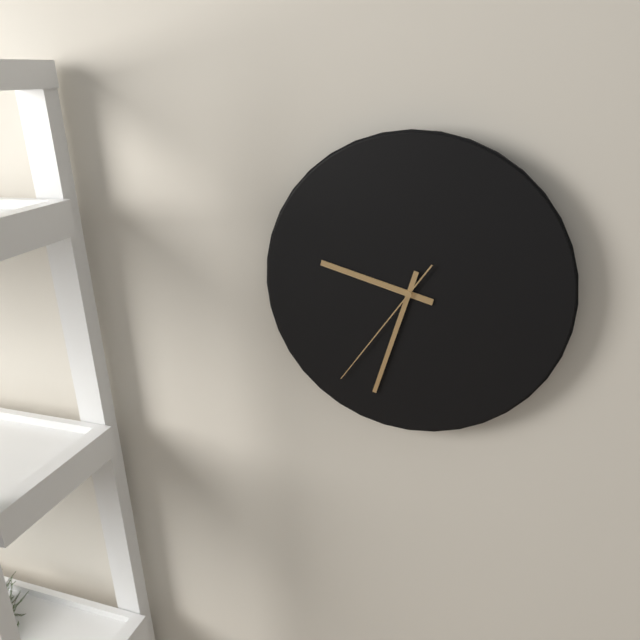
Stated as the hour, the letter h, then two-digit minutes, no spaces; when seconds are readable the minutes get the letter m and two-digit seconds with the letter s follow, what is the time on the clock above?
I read 9h33m36s
